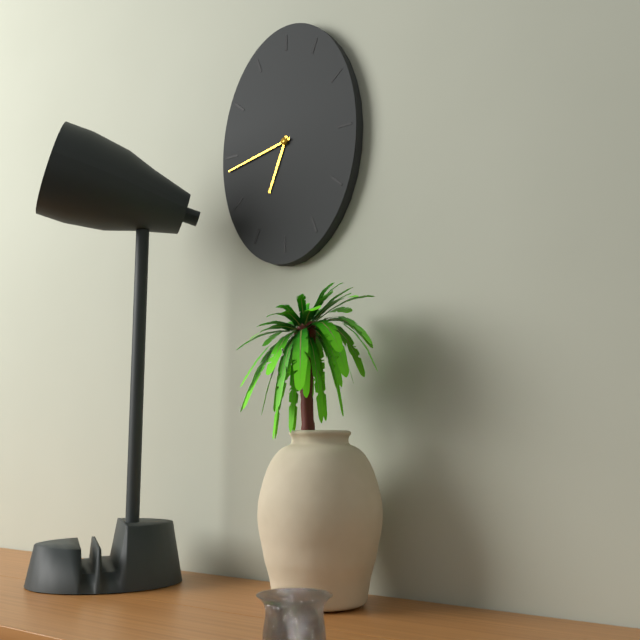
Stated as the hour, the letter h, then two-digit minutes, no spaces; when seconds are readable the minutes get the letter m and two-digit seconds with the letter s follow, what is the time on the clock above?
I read 6h43
